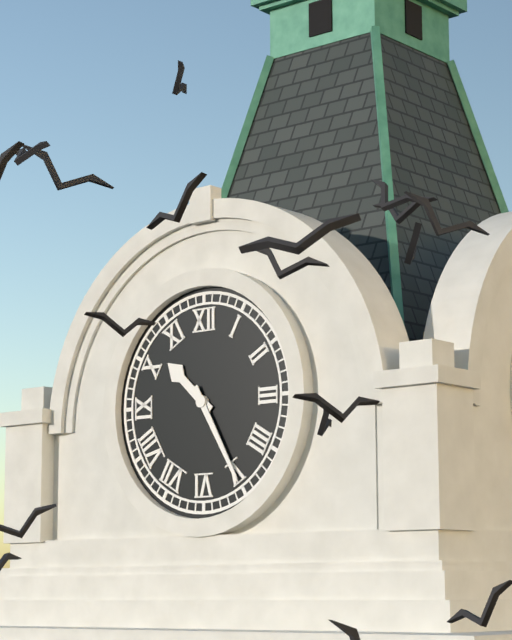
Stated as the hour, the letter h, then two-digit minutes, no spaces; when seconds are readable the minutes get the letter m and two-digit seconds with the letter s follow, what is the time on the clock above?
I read 10h25
